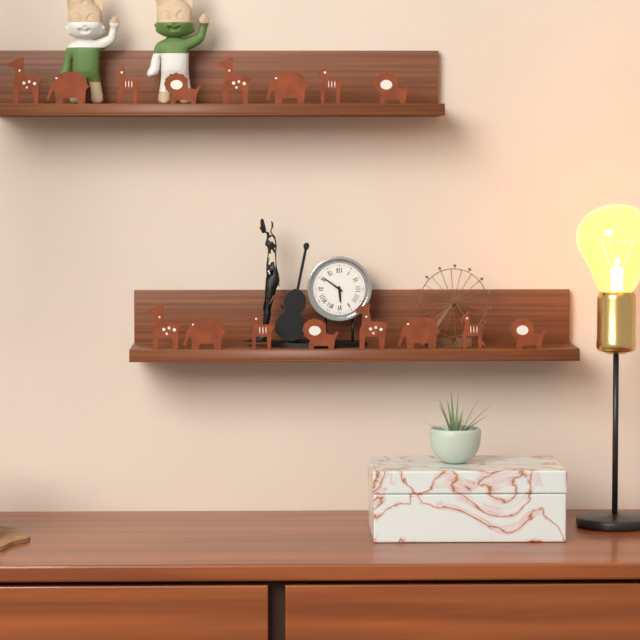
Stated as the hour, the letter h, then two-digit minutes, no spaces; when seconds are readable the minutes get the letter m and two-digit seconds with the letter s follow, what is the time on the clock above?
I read 5h51
